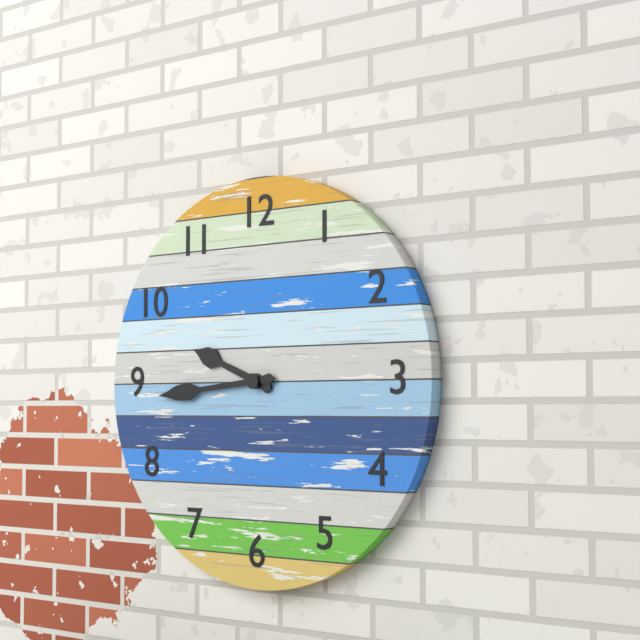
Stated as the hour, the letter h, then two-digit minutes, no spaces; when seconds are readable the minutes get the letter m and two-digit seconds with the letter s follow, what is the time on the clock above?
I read 9h44
